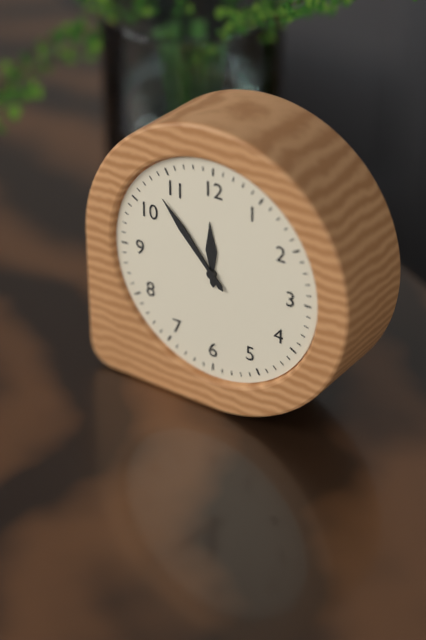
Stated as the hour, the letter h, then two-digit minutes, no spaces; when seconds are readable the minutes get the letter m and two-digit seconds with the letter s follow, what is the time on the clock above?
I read 11h53
